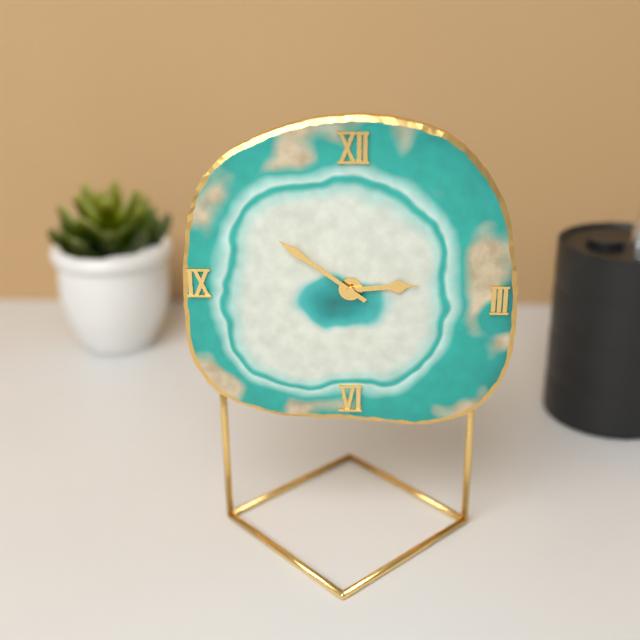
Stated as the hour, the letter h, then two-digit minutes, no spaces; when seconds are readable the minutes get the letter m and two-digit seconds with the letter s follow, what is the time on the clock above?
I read 2h51
